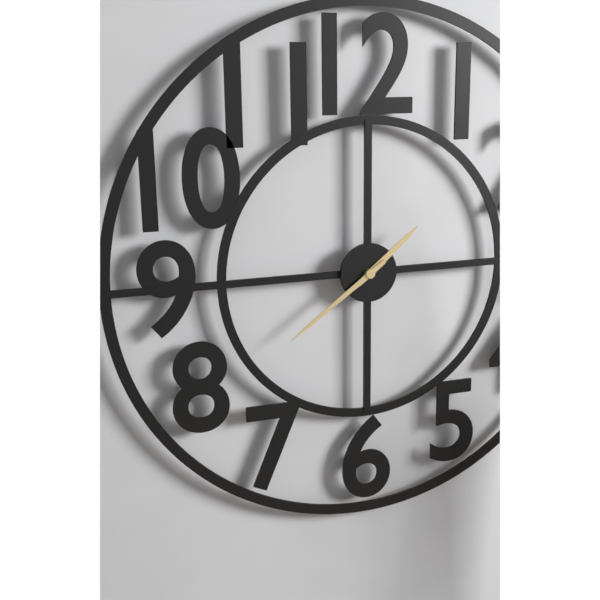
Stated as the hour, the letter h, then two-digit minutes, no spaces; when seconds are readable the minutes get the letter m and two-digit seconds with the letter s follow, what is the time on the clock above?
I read 1h39
